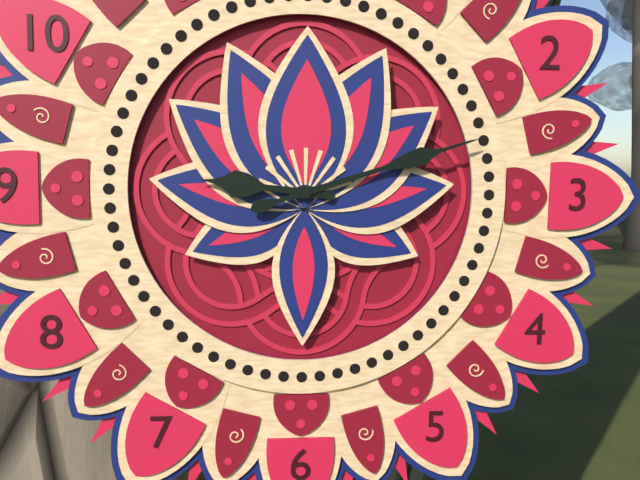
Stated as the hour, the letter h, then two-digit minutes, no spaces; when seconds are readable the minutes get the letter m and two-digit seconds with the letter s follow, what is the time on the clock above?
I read 9h12
